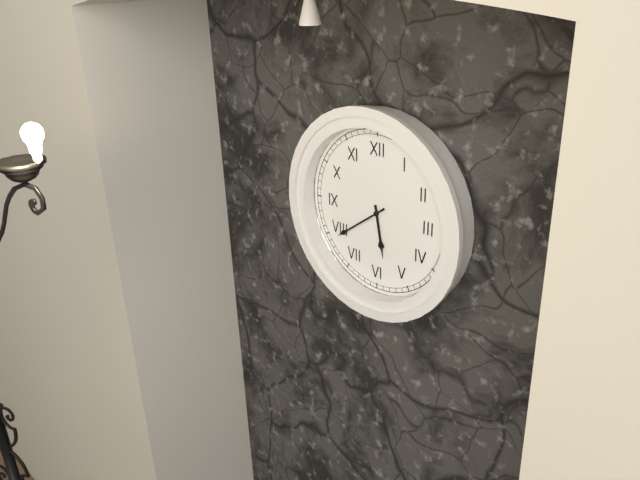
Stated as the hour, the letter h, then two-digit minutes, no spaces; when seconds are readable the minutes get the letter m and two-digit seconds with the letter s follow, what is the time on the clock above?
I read 5h39
